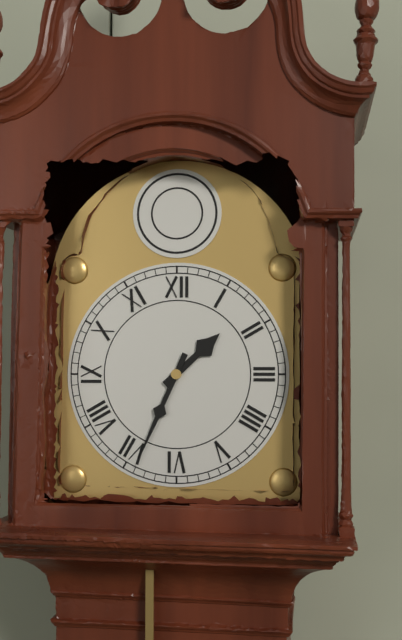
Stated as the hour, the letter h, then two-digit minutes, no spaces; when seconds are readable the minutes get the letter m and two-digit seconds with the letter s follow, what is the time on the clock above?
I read 1h34
